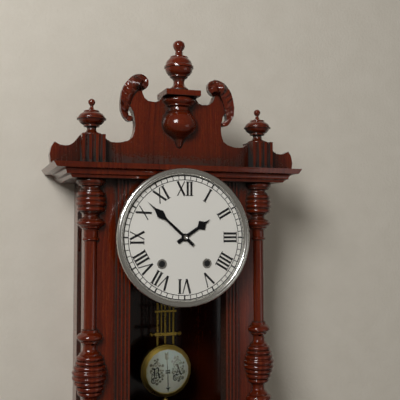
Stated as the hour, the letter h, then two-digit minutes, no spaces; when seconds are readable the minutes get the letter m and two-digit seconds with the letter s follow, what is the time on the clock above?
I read 1h52
